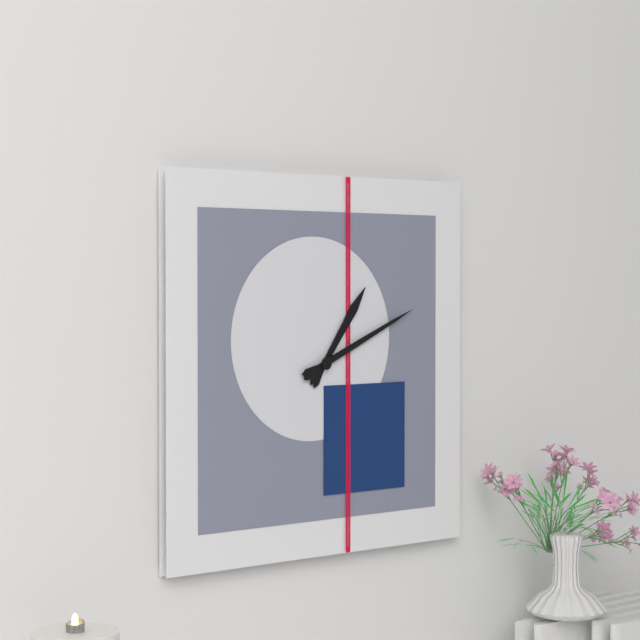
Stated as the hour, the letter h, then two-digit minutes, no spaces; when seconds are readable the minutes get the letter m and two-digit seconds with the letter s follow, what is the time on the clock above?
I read 1h11
